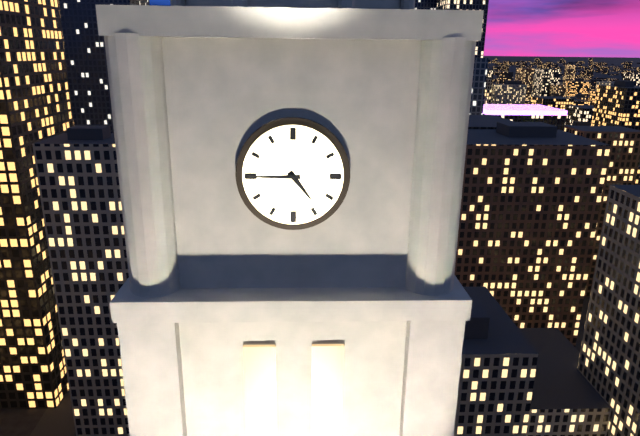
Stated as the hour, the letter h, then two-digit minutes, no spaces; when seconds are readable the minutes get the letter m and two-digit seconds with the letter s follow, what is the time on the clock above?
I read 4h45
